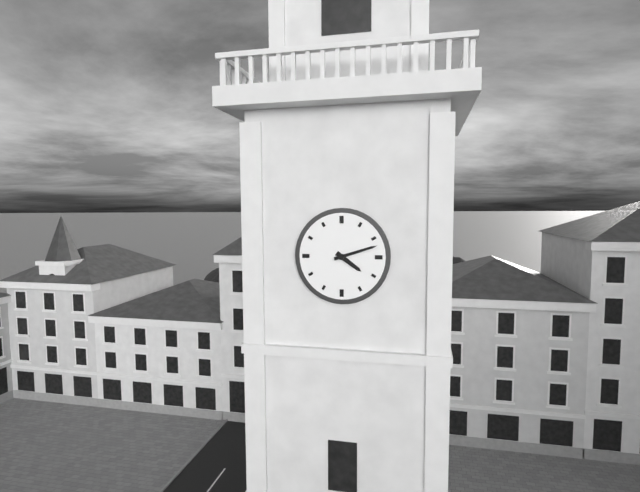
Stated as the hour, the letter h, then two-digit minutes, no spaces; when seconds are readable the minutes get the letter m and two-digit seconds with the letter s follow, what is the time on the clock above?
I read 4h12
